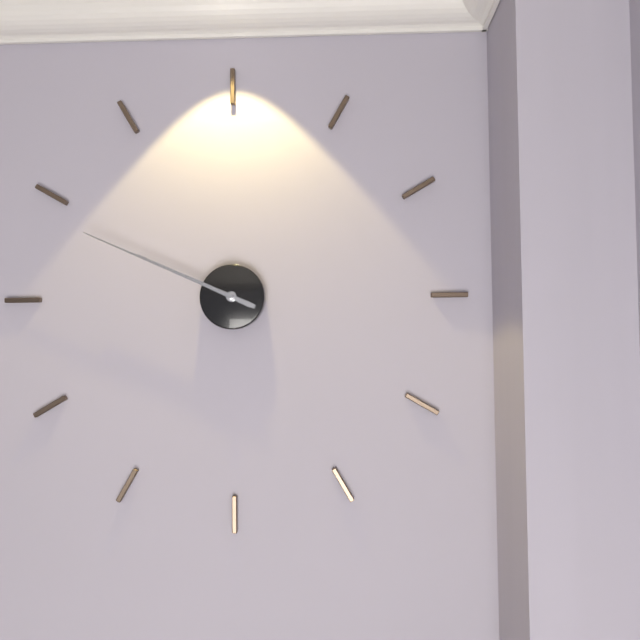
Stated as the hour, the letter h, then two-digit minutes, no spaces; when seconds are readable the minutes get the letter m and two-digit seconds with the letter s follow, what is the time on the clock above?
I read 9h49
